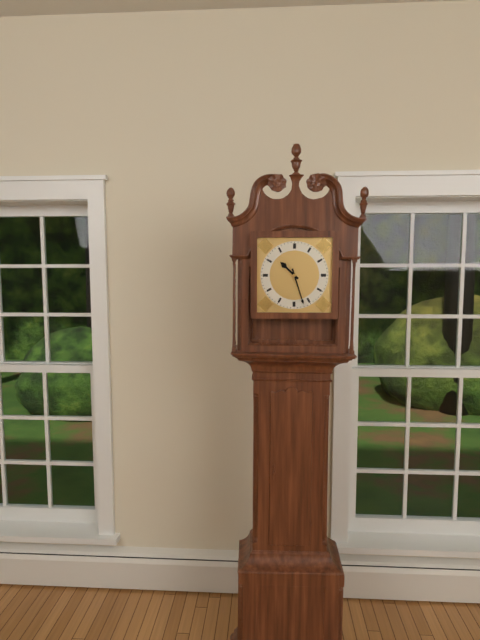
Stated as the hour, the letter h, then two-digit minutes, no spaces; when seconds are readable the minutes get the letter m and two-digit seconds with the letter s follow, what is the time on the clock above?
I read 10h27
